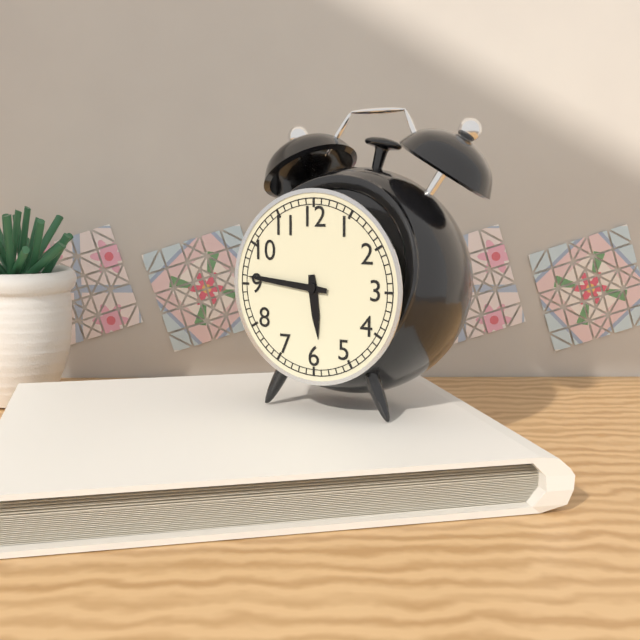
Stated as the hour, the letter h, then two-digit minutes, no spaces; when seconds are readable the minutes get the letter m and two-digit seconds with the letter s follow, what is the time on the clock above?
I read 5h46
